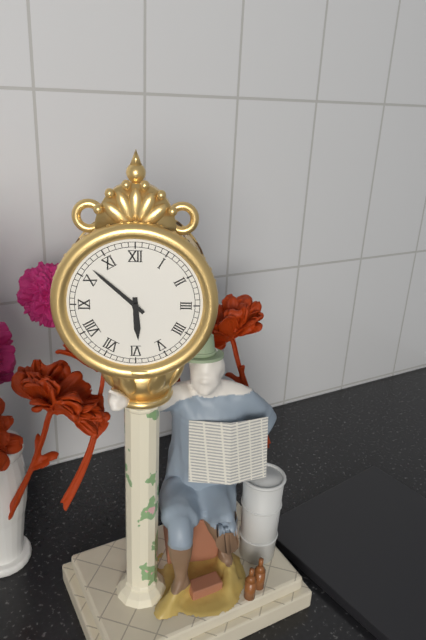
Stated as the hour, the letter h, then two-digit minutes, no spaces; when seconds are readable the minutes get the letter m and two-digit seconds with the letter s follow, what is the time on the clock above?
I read 5h52
